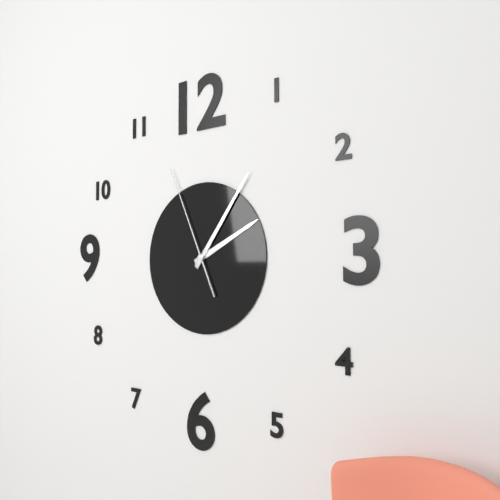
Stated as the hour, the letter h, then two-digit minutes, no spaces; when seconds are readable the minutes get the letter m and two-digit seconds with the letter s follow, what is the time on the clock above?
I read 2h06m56s
